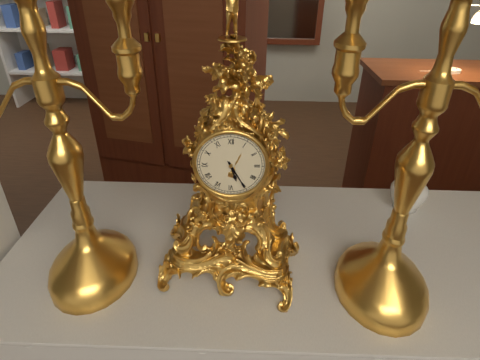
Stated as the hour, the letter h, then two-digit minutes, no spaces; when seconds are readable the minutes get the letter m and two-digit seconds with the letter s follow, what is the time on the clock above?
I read 5h25
